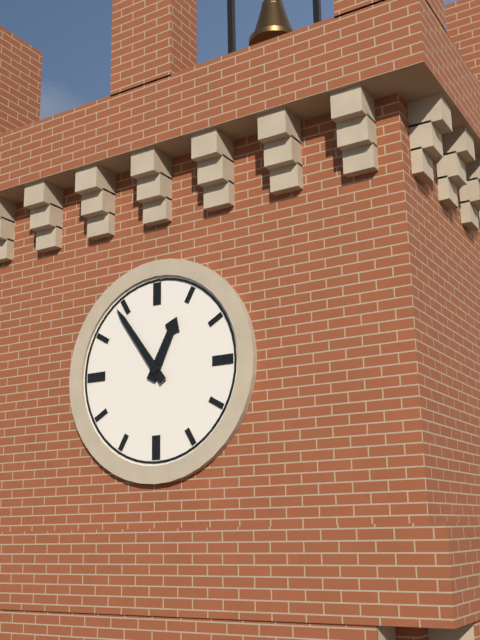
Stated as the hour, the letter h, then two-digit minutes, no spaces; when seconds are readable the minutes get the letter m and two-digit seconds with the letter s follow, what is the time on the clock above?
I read 12h54
